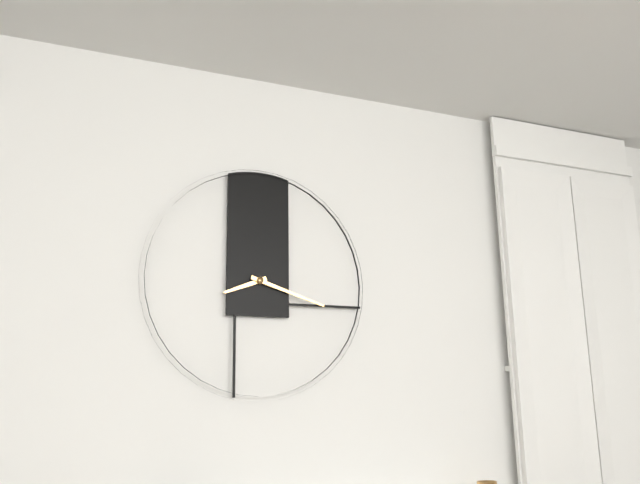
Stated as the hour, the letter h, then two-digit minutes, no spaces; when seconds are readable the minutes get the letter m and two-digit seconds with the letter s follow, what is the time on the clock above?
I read 8h18
